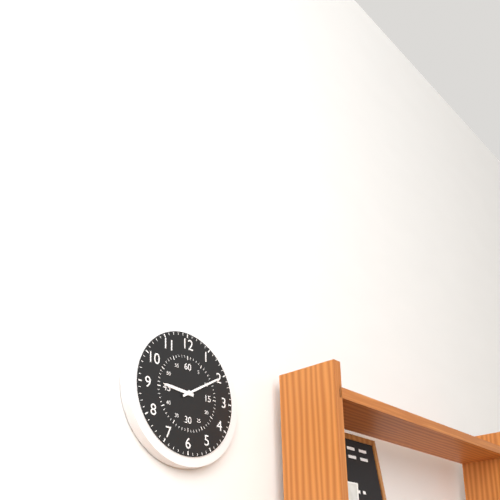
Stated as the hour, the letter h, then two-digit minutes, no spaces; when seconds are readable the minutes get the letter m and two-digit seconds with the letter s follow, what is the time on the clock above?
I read 9h10
